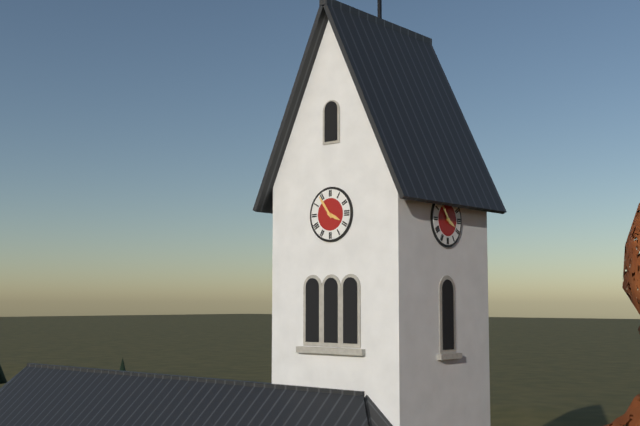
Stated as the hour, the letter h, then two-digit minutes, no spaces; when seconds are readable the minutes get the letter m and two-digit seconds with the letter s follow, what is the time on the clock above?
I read 3h54
